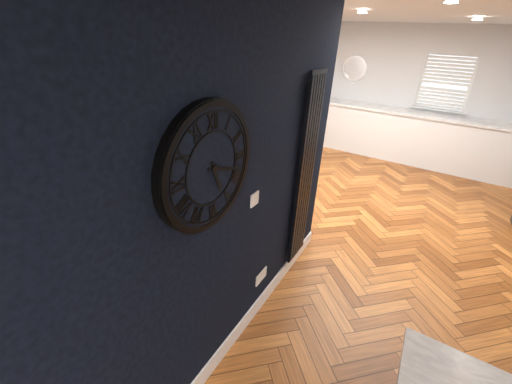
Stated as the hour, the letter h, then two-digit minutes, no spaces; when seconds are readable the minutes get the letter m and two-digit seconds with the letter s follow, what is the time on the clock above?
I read 5h18
